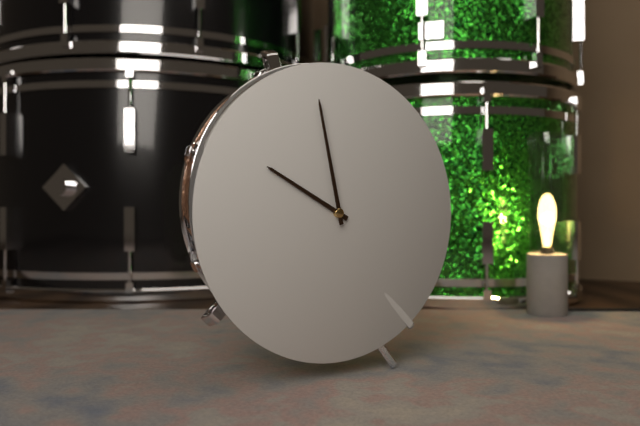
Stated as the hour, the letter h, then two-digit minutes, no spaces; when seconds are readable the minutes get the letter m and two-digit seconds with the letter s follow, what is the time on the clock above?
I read 9h58
